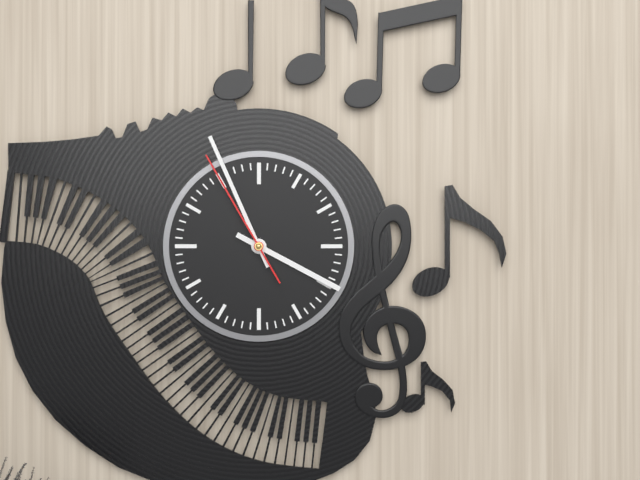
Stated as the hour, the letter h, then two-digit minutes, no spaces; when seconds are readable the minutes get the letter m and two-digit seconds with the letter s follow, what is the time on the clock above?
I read 3h56m55s
